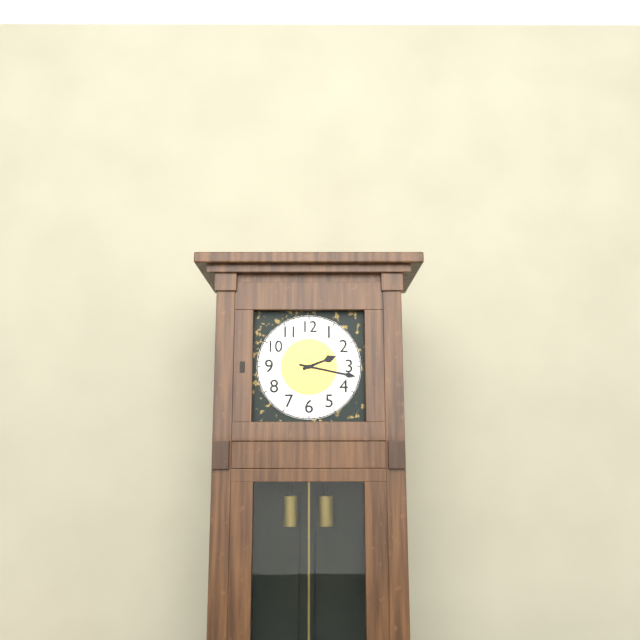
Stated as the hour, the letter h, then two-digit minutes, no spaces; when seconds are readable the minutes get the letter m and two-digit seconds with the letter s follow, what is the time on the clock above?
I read 2h17
